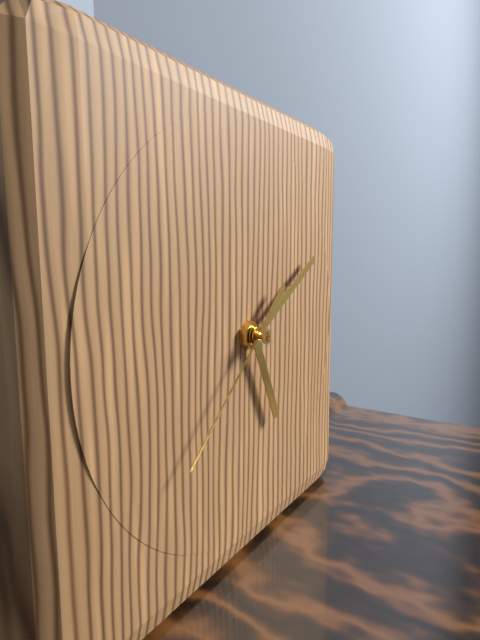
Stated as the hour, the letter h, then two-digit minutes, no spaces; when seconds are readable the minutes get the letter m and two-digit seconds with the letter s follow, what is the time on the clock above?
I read 5h10m38s
